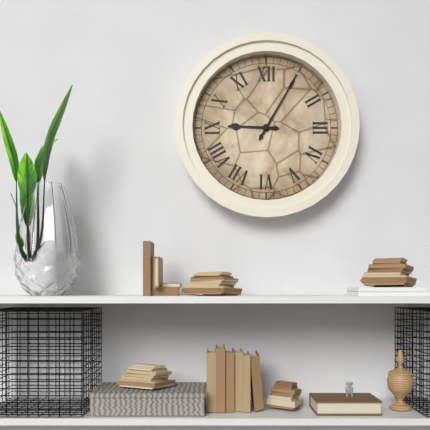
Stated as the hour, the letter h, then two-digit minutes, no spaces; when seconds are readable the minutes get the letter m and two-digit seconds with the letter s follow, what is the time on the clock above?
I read 9h05
